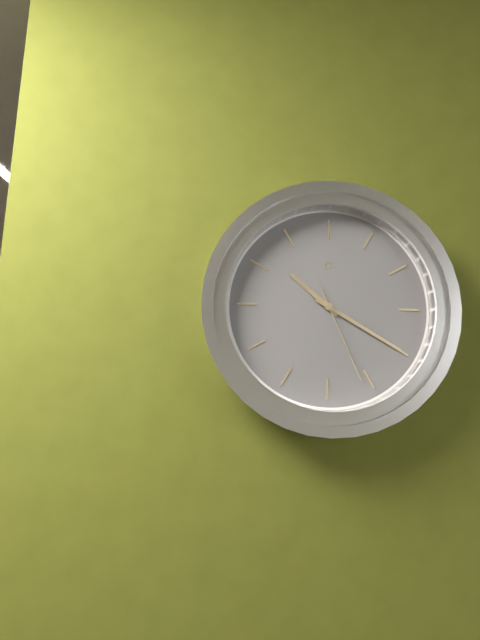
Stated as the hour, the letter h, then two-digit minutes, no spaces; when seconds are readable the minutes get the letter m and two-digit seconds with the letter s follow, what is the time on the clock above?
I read 10h20m26s
